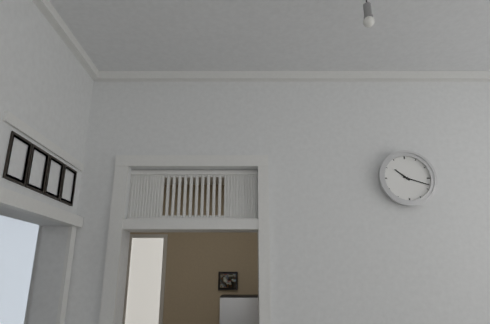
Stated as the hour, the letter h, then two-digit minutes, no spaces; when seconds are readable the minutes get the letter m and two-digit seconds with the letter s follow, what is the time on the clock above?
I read 10h18
